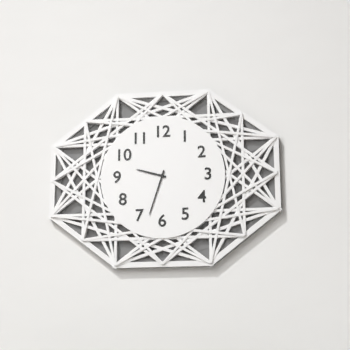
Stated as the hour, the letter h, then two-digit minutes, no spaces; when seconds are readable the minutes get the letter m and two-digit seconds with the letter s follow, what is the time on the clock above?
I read 9h33
